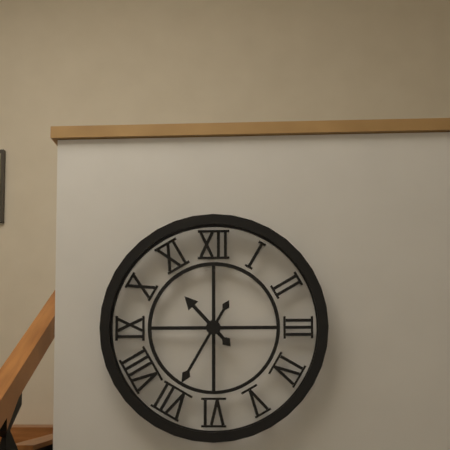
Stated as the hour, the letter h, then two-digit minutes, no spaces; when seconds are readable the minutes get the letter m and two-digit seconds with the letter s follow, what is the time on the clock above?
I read 10h35
